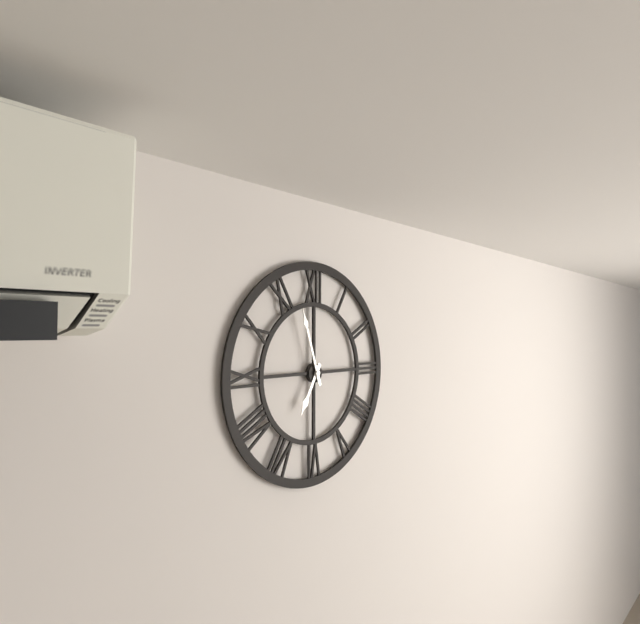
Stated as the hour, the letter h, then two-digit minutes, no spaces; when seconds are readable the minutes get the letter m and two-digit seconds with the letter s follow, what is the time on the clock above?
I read 6h57
